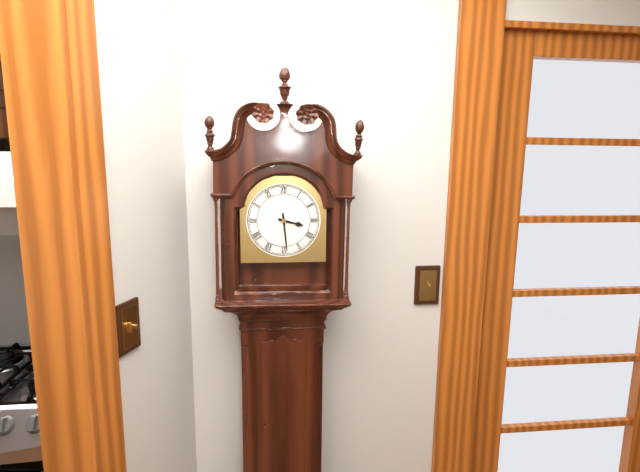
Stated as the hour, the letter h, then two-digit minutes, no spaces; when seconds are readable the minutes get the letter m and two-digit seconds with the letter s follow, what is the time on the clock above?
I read 3h29
